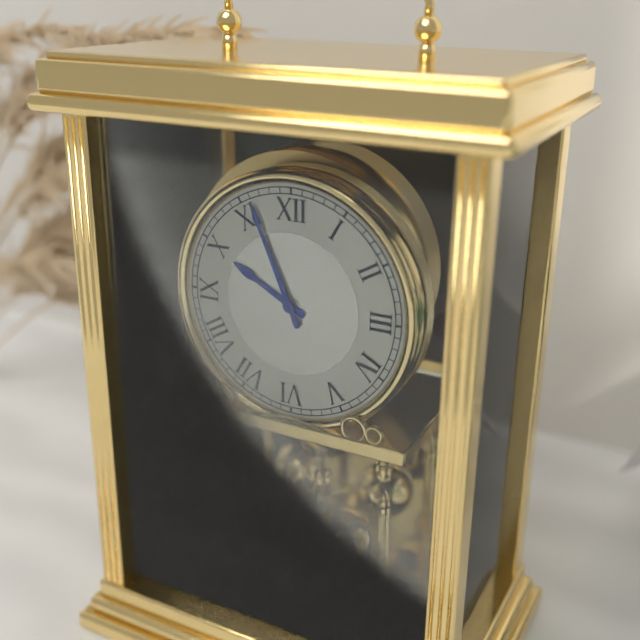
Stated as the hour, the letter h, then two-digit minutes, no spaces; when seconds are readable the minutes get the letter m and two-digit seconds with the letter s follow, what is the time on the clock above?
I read 9h56
